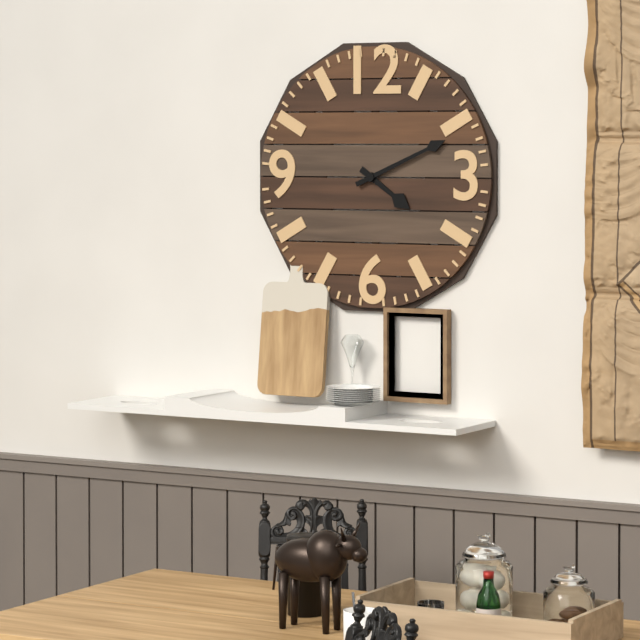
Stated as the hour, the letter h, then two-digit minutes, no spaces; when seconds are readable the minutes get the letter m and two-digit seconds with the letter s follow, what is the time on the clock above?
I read 4h11
